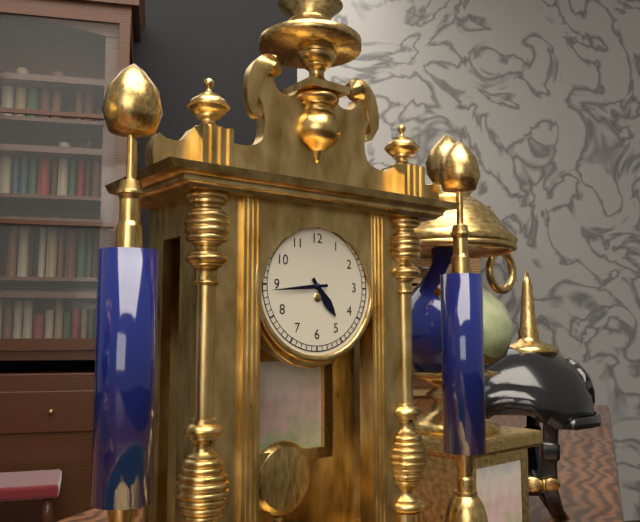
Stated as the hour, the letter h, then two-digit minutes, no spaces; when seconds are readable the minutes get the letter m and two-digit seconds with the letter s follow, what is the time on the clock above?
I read 4h44
